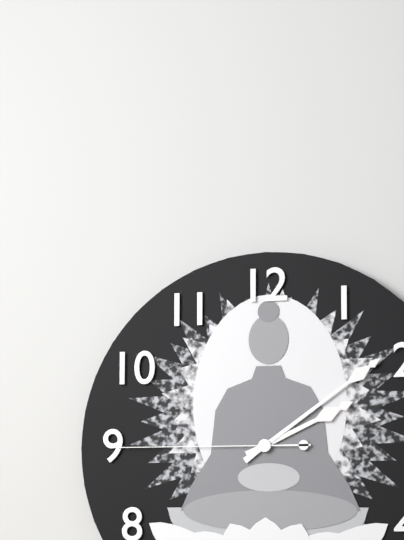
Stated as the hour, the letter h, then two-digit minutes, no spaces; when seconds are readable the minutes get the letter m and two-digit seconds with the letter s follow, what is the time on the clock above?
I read 2h09m45s
